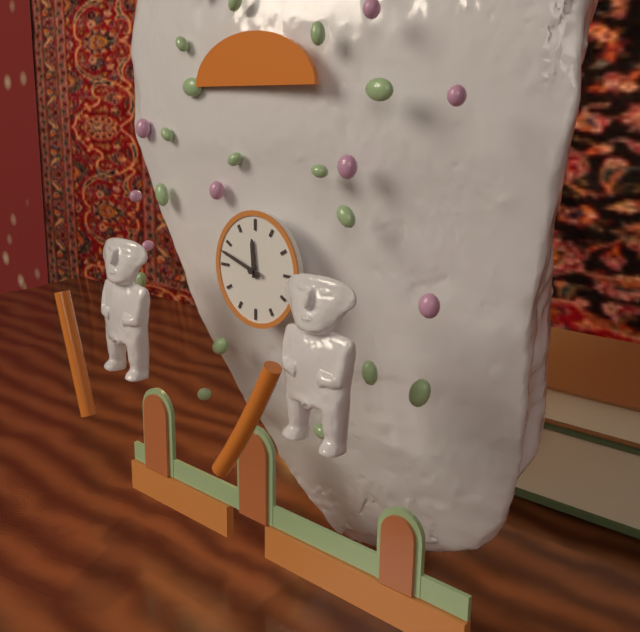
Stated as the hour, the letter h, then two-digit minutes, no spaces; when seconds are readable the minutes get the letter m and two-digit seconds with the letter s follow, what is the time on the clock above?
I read 11h48
